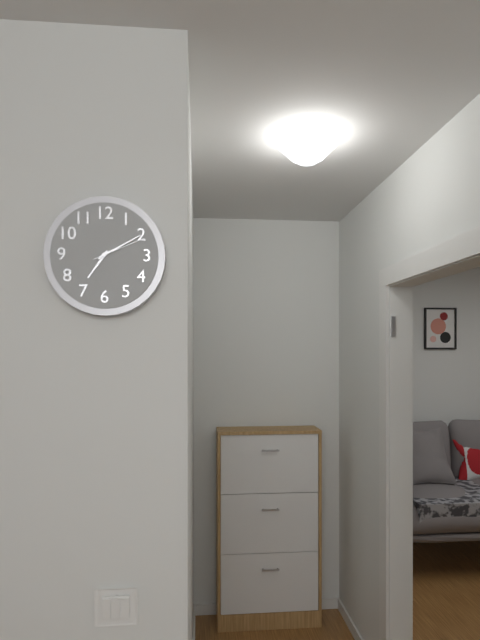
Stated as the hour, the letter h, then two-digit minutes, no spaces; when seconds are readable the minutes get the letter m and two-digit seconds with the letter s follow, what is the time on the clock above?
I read 7h10m11s
